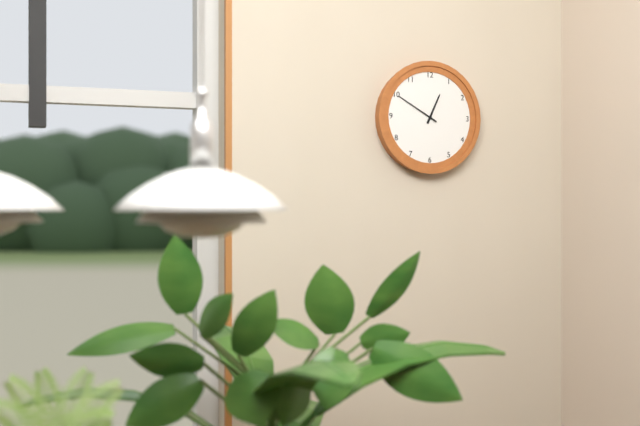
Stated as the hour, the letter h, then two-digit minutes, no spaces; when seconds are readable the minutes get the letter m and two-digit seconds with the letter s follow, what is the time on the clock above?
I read 12h50
